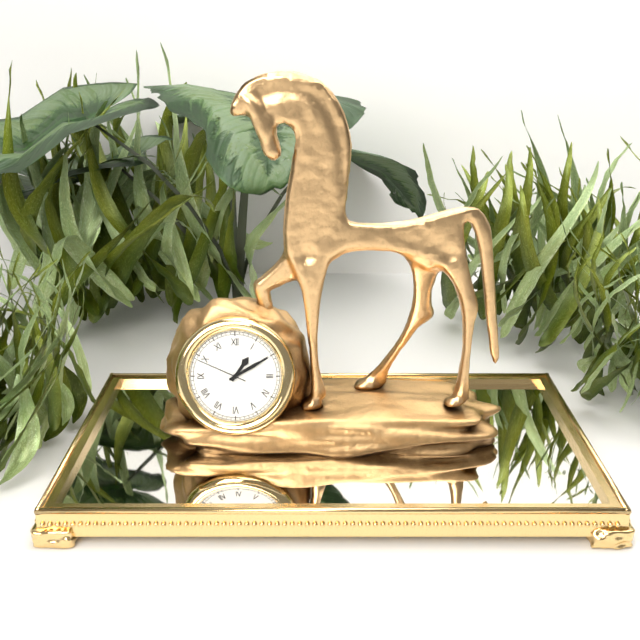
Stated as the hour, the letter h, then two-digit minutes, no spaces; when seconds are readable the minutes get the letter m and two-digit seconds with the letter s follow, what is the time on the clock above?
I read 1h10m49s
